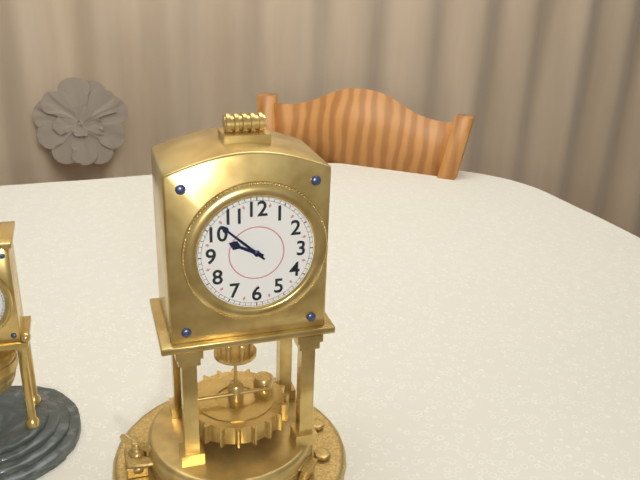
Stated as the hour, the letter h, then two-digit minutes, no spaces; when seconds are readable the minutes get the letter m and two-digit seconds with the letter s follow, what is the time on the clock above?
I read 9h52
